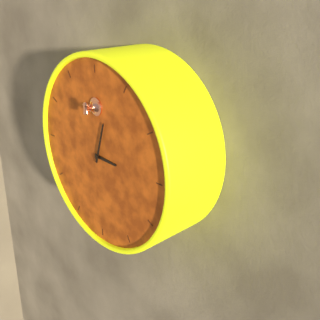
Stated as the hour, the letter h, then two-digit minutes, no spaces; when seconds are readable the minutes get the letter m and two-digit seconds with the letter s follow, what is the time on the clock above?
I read 3h03
